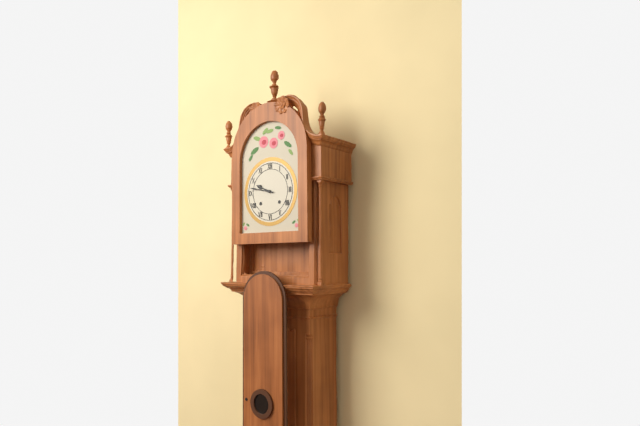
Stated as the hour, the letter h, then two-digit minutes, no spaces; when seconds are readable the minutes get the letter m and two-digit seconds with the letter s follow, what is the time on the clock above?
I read 9h47
